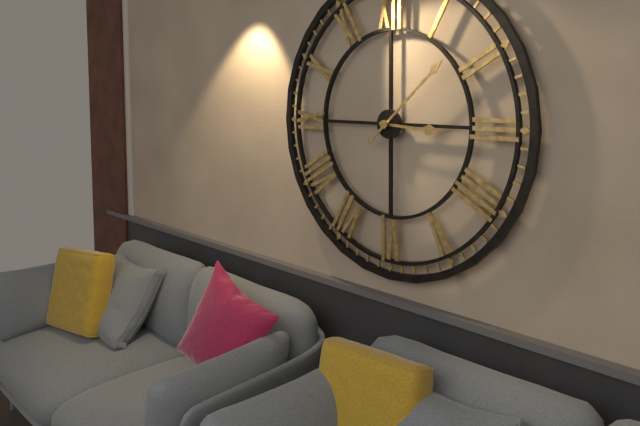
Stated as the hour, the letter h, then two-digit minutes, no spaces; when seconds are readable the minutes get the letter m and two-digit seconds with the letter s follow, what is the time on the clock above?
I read 3h08
